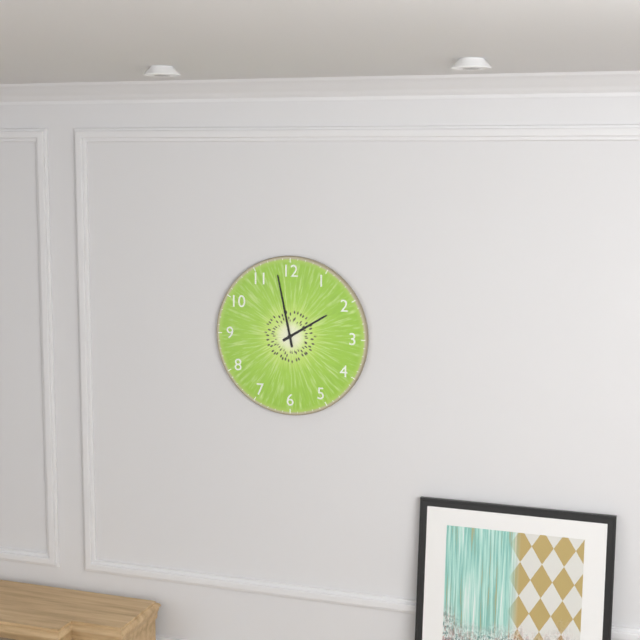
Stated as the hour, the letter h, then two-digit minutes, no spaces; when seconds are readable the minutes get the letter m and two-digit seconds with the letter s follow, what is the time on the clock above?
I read 1h58
